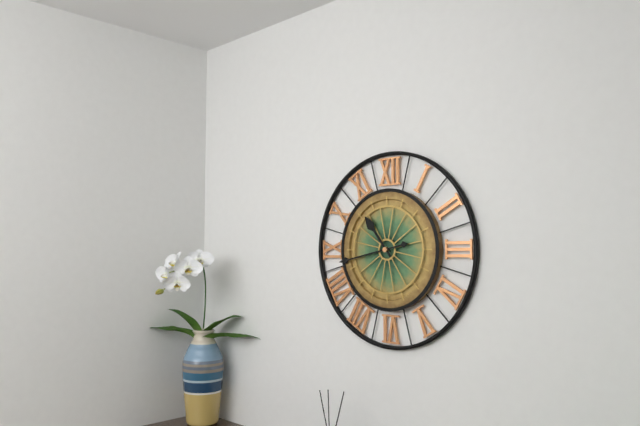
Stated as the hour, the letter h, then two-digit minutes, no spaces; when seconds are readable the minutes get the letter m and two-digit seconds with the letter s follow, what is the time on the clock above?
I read 10h43
